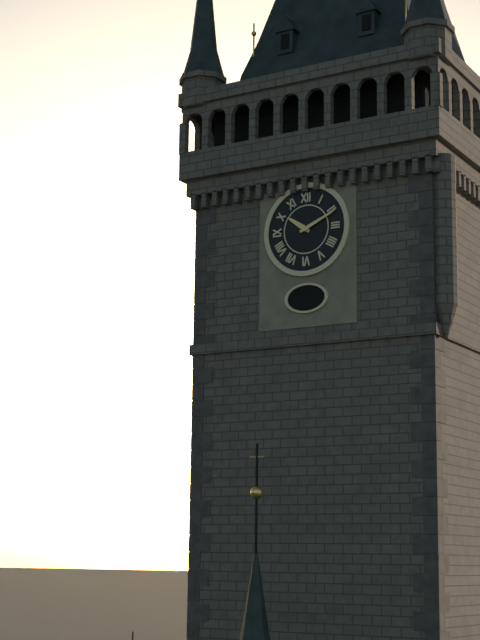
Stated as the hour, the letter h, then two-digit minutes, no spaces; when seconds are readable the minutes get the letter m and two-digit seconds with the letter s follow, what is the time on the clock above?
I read 10h11
